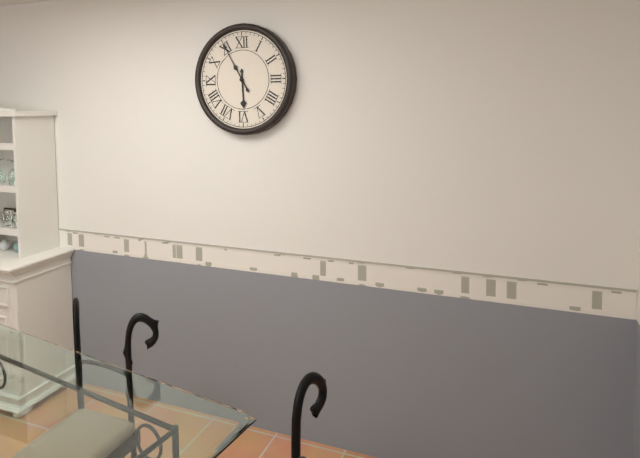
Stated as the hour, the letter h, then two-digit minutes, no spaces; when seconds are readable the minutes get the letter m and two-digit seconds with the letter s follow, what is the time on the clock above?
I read 5h55
